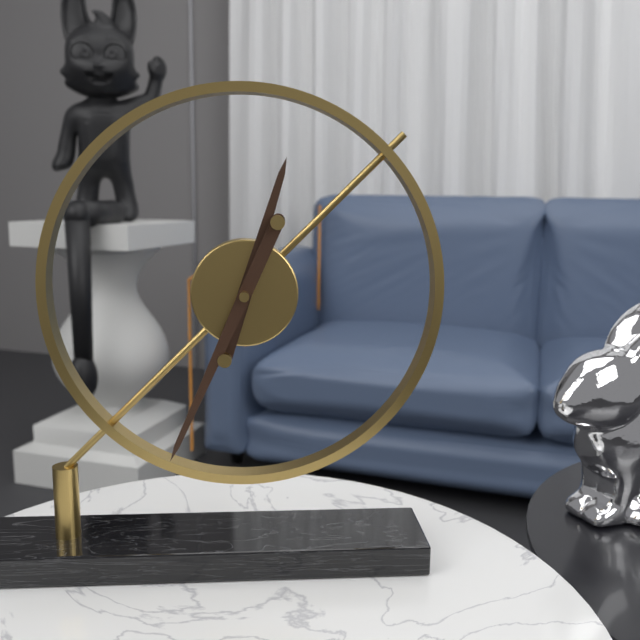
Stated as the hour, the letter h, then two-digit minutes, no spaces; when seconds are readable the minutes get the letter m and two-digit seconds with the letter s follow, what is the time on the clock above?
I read 12h34
